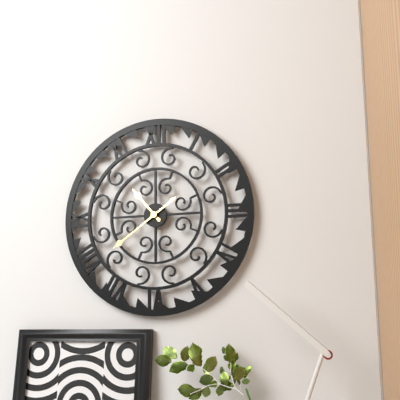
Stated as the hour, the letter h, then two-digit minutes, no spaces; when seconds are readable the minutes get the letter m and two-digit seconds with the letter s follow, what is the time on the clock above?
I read 10h39
